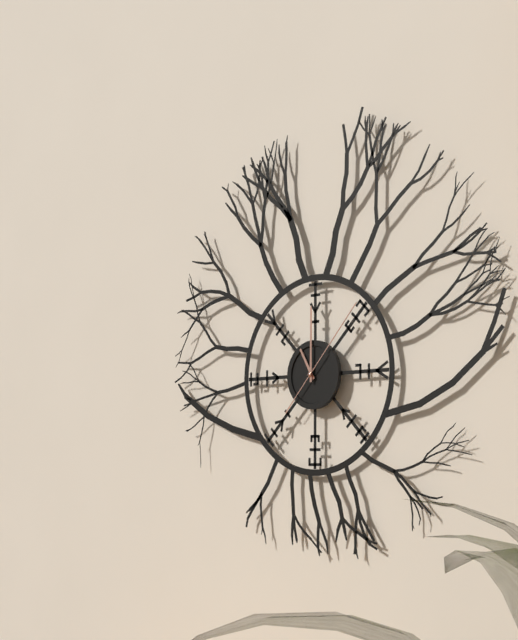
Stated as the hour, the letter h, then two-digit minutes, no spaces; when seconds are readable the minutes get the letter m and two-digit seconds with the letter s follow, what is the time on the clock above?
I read 11h00m07s
